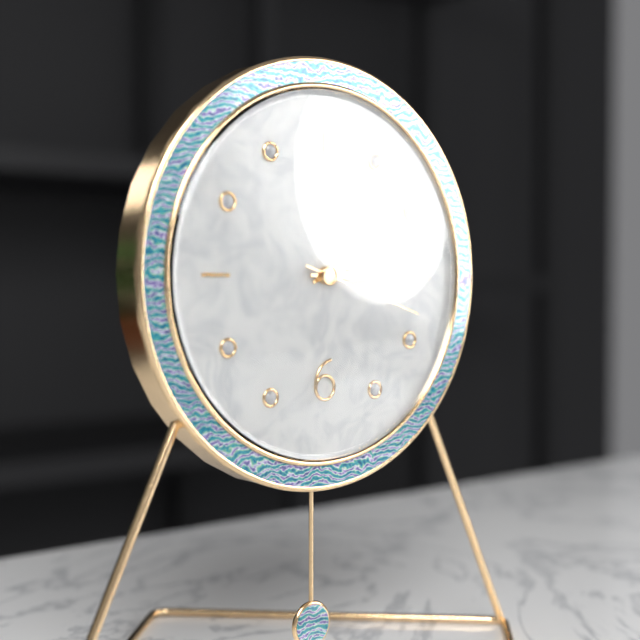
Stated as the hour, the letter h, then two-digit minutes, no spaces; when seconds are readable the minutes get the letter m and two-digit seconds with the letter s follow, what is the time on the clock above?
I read 2h15m18s
